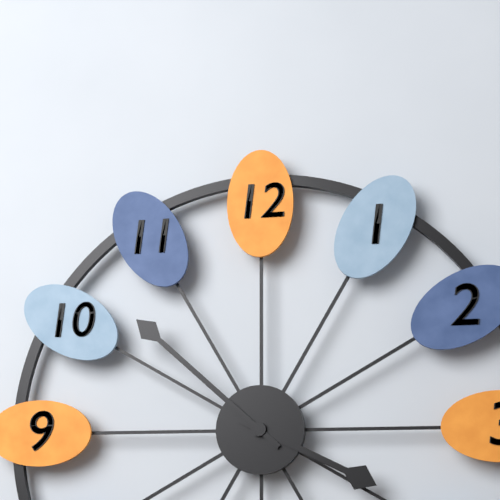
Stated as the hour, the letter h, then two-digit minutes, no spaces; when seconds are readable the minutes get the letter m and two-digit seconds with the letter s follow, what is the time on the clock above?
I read 3h52
